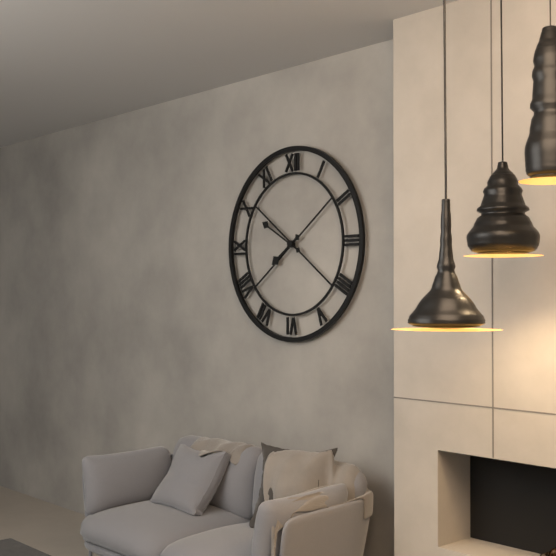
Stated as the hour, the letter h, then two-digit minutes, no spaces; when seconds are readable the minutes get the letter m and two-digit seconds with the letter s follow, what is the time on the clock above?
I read 7h50
